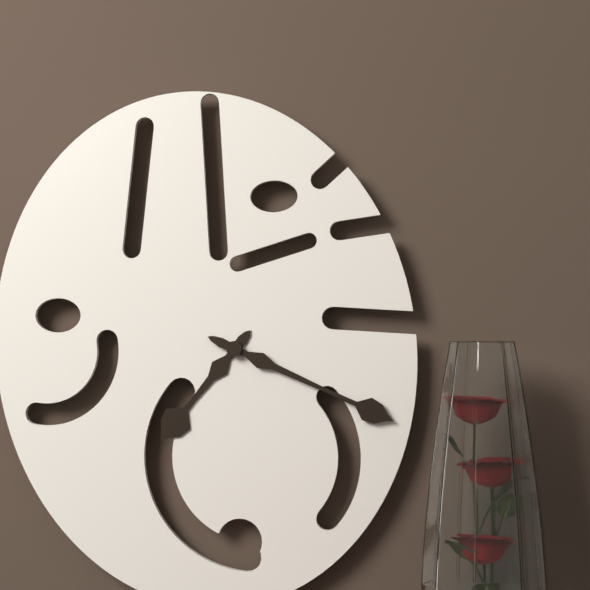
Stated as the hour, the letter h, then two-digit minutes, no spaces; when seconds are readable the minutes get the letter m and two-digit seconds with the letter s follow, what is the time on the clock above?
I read 7h19
